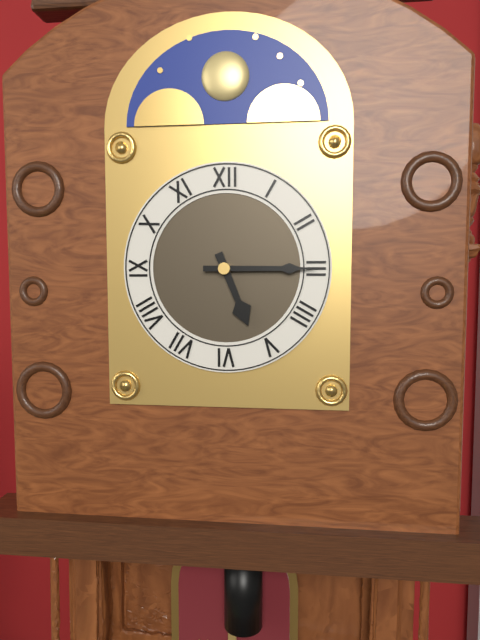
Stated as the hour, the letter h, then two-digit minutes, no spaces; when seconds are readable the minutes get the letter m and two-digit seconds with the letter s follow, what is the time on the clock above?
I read 5h15
